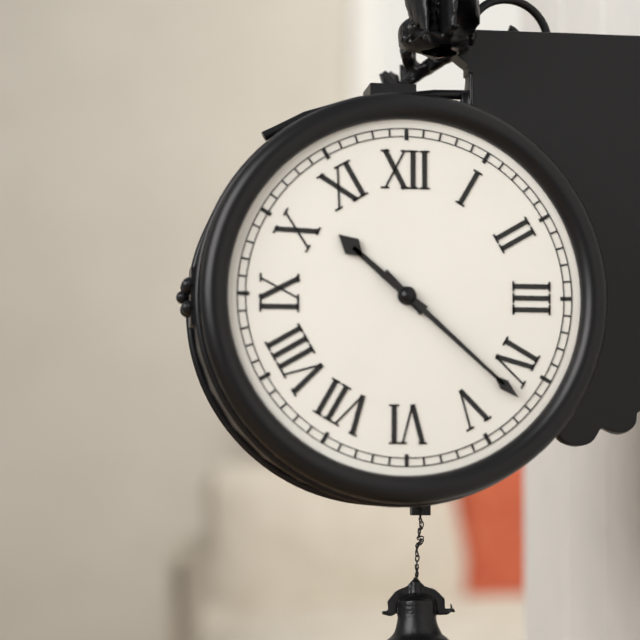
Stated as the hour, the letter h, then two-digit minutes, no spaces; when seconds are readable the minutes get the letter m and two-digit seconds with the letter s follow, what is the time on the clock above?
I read 10h22
